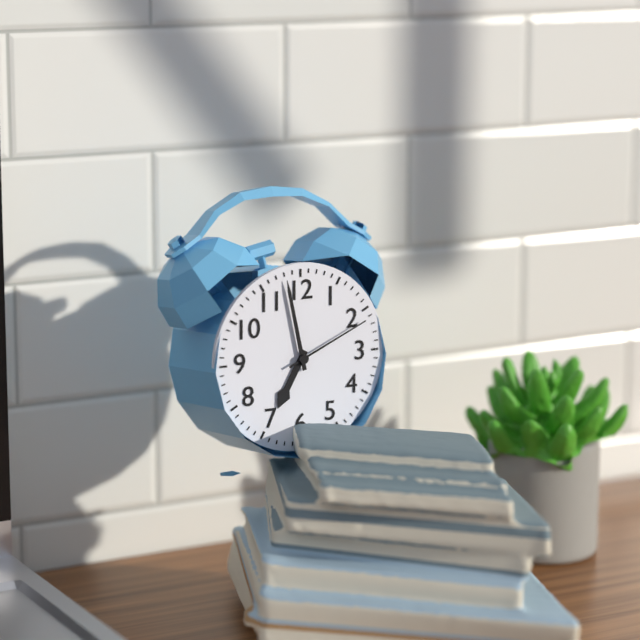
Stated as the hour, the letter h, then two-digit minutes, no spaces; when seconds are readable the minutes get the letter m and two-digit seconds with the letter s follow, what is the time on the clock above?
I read 6h58m11s
